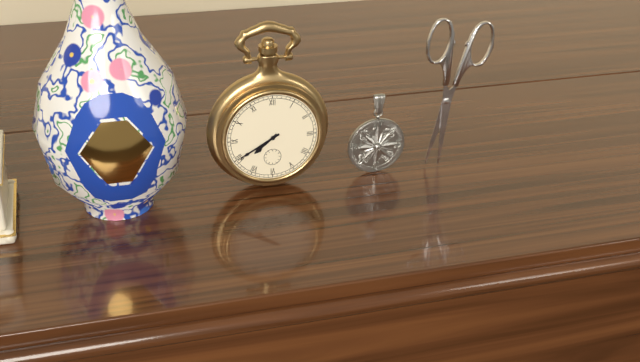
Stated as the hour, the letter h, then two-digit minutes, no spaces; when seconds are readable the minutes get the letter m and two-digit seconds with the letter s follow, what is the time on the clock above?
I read 7h40
